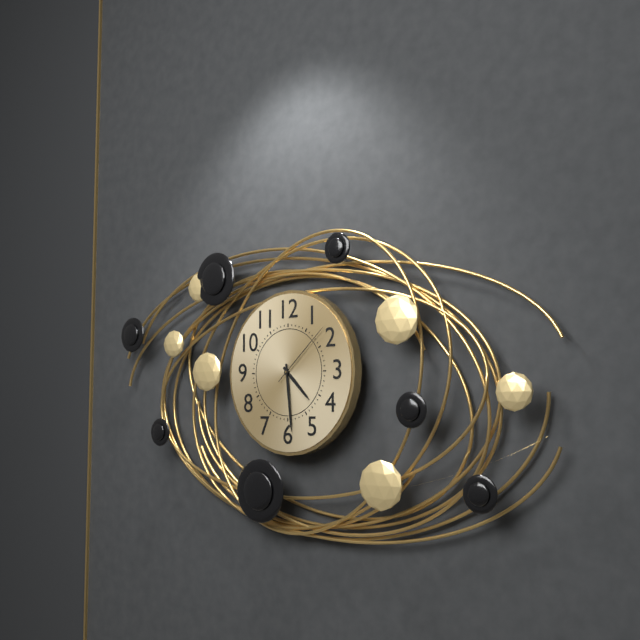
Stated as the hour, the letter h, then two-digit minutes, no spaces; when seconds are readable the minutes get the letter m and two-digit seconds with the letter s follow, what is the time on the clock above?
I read 4h29m08s
